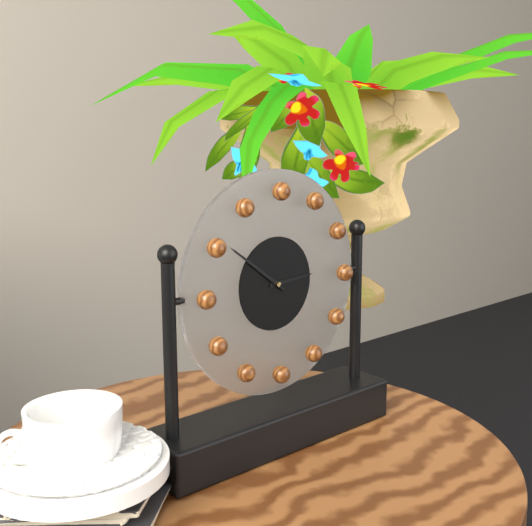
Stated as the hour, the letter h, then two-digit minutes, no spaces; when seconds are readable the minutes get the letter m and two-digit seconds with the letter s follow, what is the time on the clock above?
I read 2h51
